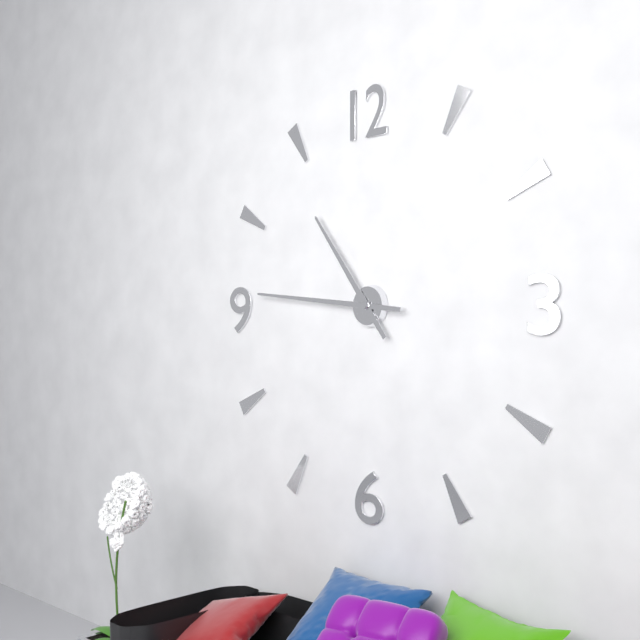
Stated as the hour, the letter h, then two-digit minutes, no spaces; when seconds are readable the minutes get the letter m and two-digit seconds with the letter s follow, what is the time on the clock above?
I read 10h46
